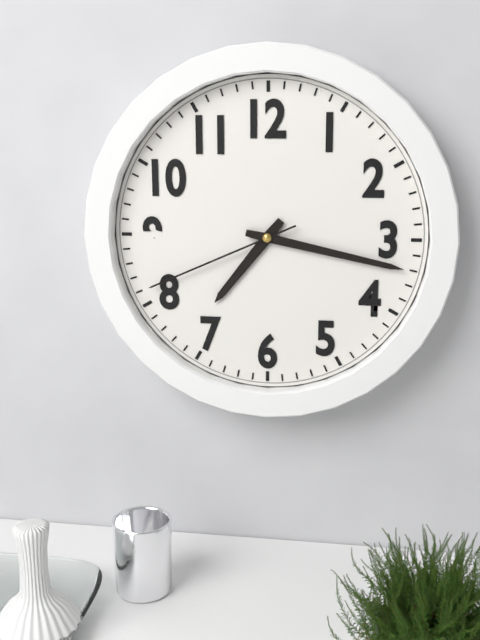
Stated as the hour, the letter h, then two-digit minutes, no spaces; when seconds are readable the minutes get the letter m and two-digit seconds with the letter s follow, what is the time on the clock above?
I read 7h17m41s
